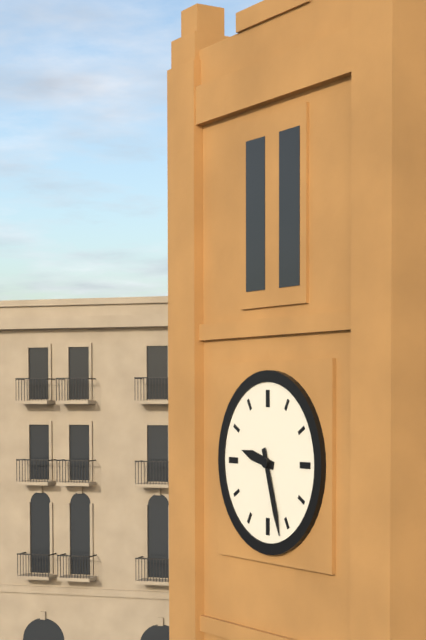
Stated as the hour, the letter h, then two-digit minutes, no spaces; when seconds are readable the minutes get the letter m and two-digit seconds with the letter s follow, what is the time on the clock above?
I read 9h27
